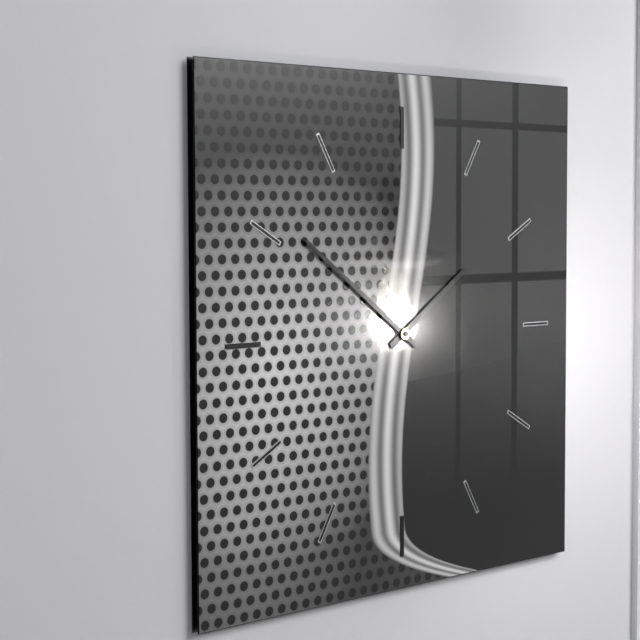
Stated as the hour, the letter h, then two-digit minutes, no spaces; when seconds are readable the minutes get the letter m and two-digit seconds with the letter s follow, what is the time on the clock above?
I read 1h51
